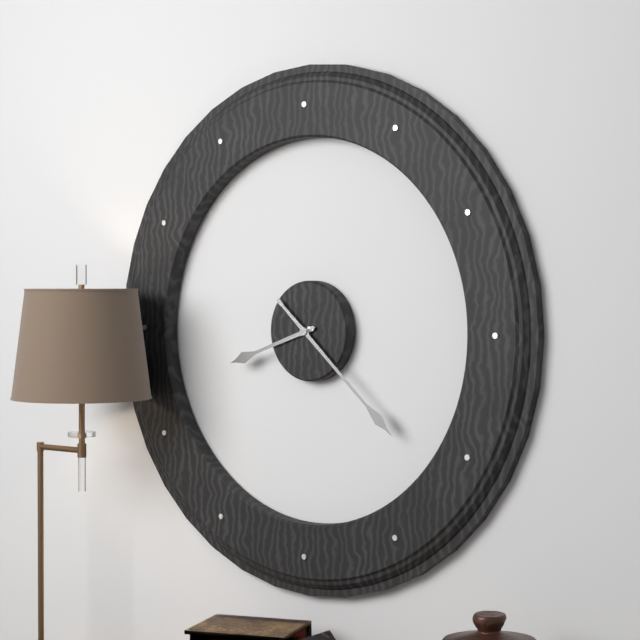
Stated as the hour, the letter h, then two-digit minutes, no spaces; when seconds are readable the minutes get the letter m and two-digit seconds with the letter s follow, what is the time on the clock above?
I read 8h22
